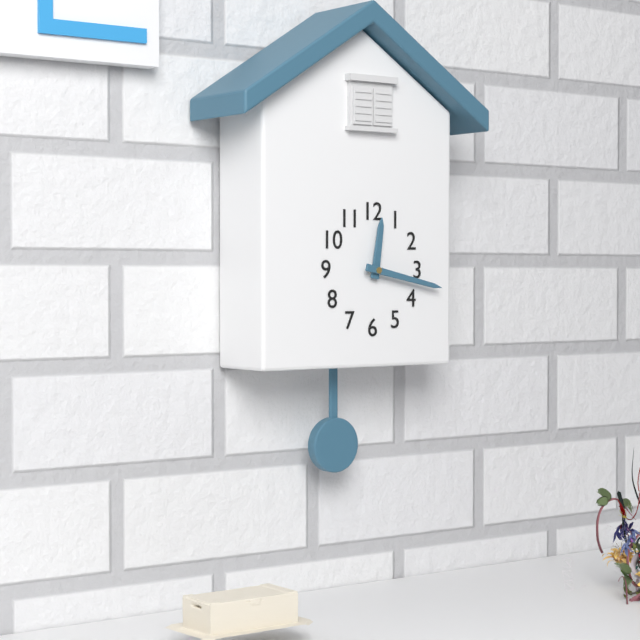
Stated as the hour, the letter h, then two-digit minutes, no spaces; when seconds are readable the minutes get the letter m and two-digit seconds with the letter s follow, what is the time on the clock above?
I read 12h17
